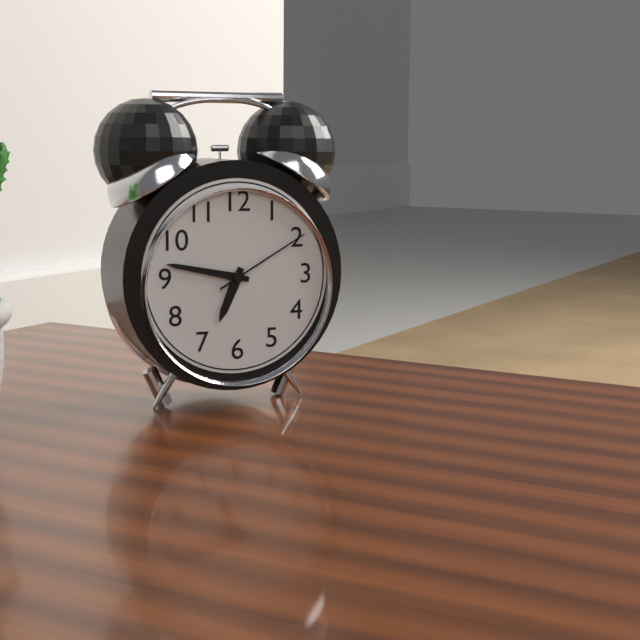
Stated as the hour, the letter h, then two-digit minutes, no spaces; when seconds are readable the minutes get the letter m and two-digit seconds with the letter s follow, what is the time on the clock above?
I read 6h47m10s
